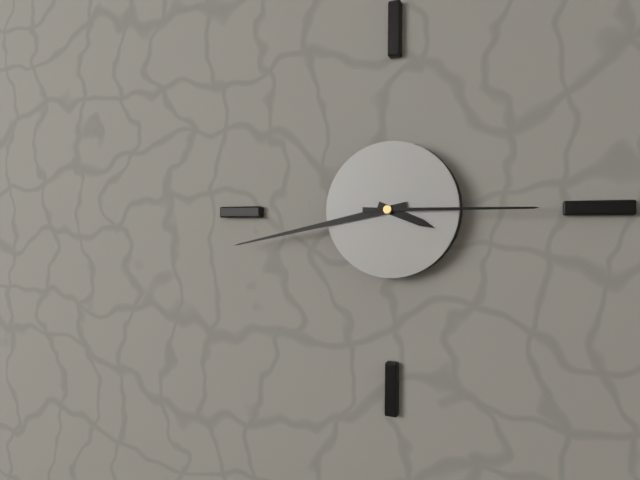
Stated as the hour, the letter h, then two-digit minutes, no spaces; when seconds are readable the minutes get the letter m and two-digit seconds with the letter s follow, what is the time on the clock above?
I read 3h43m15s
